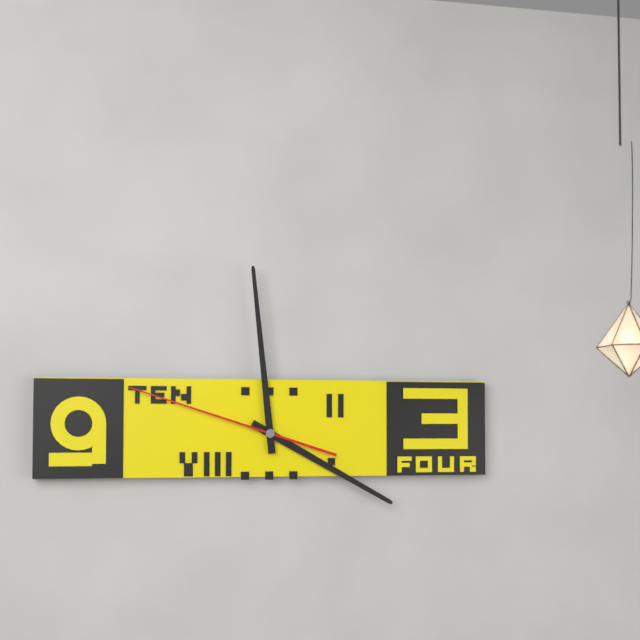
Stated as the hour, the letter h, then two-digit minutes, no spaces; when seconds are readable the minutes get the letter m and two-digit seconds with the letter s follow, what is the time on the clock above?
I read 3h59m48s
